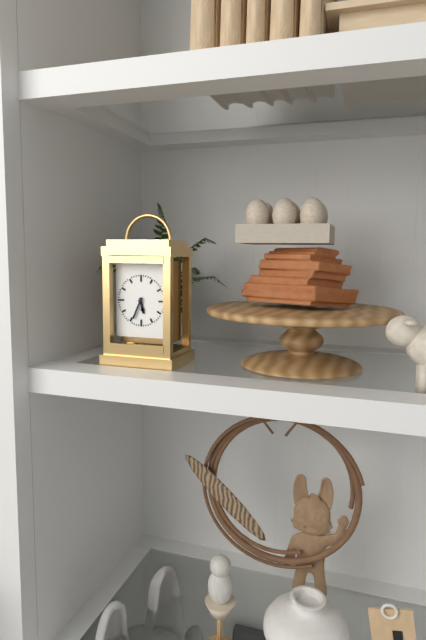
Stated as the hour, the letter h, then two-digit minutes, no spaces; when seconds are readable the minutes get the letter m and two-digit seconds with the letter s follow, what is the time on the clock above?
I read 5h34
